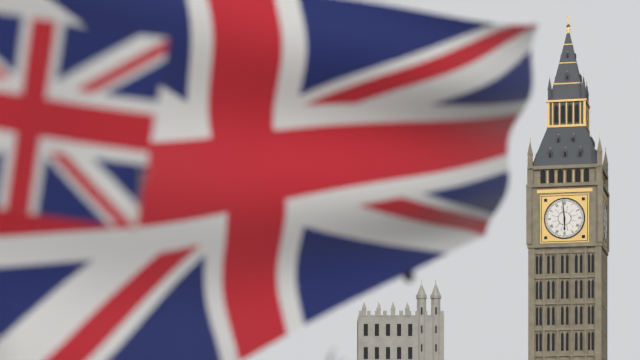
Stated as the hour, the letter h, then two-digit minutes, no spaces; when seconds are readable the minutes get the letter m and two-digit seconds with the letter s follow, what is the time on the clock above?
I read 5h59
